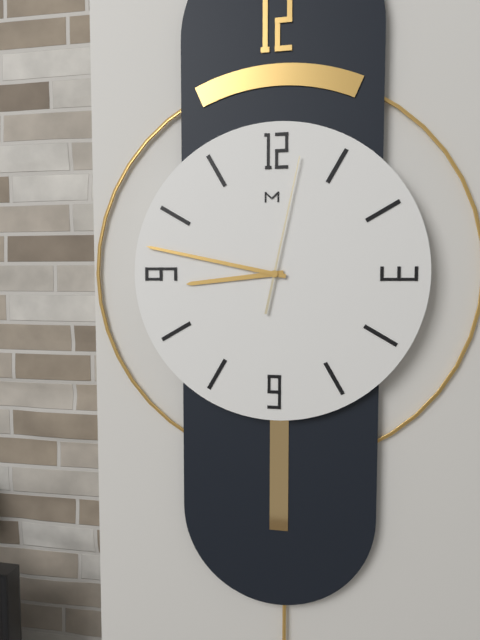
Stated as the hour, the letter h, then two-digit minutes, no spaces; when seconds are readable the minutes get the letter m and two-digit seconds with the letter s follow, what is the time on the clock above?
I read 8h47m02s
